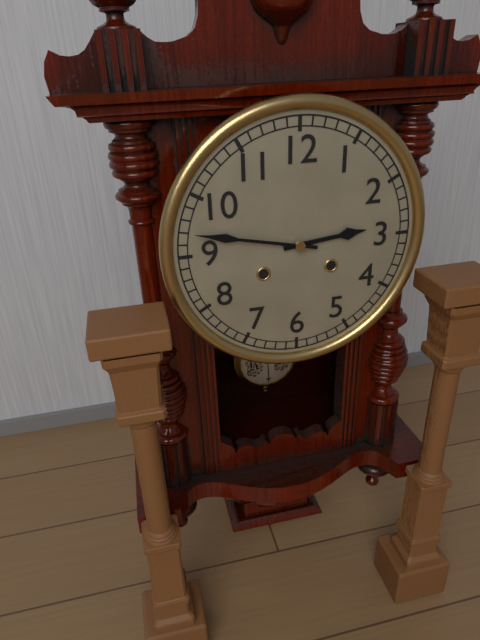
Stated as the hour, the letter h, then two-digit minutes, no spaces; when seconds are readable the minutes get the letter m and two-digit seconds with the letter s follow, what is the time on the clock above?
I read 2h47
